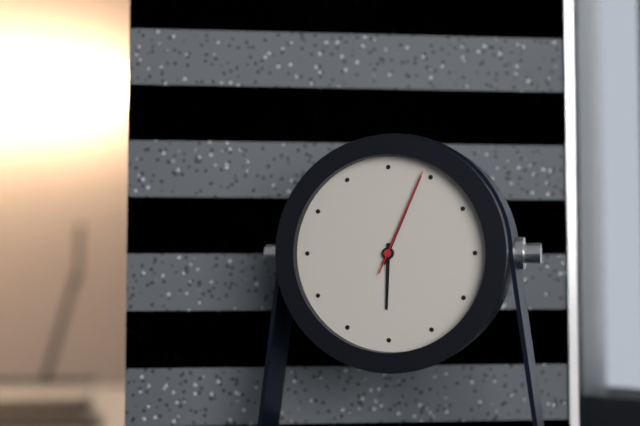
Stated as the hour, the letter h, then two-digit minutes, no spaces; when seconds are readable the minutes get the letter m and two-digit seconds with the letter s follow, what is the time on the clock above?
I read 6h04m04s
